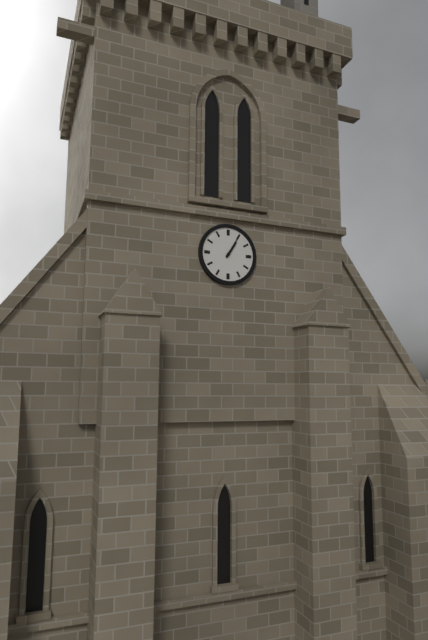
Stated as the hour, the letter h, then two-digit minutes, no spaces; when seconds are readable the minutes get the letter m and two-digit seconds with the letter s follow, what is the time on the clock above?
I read 1h05
